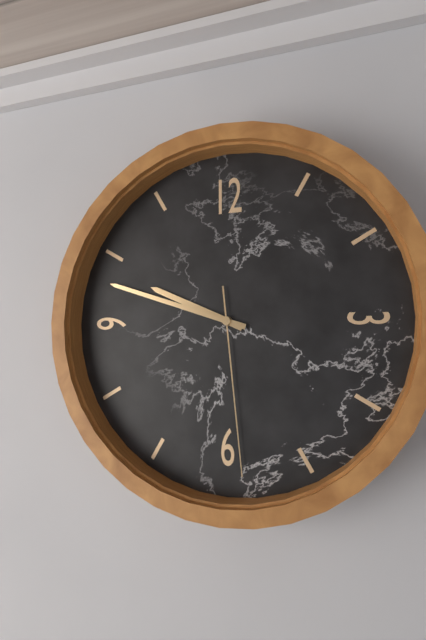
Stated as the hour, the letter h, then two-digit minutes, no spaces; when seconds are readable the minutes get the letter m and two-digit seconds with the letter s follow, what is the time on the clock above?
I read 9h48m29s
